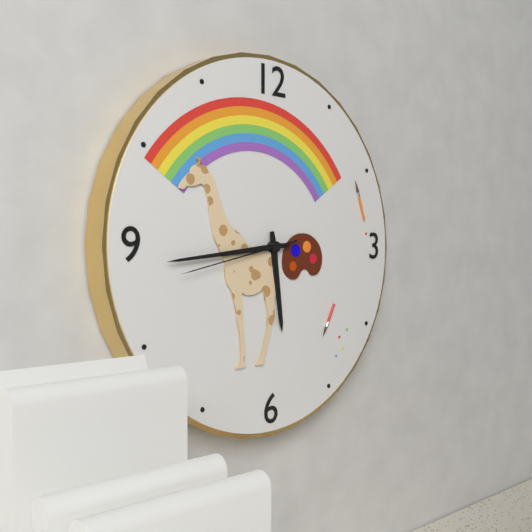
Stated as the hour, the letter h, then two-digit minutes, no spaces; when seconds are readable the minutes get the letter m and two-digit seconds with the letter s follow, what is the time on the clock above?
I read 5h44m43s
